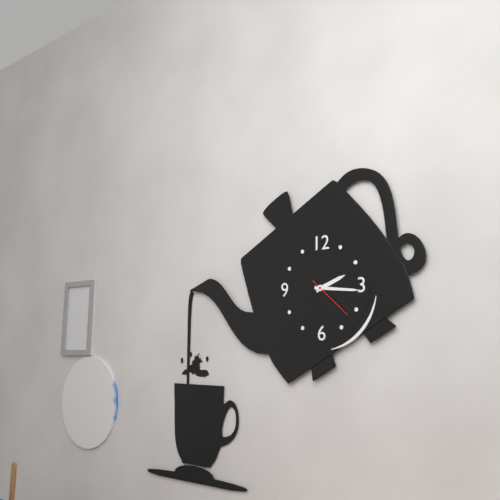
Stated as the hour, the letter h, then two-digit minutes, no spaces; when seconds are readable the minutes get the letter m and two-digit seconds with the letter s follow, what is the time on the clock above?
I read 2h16
